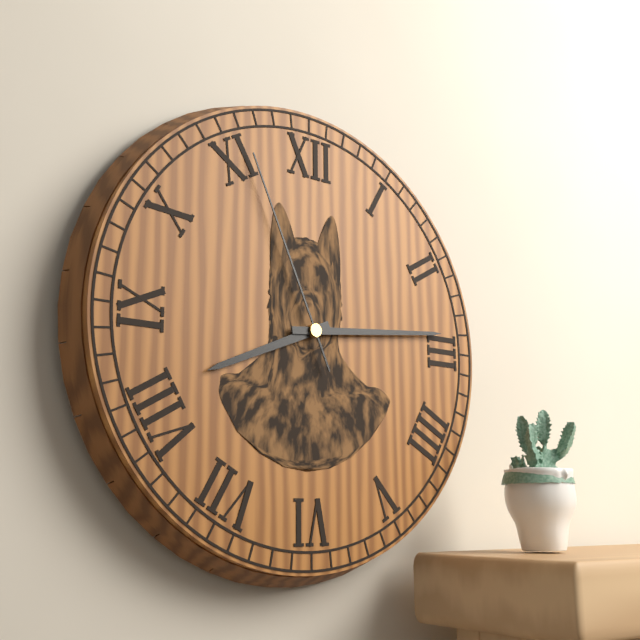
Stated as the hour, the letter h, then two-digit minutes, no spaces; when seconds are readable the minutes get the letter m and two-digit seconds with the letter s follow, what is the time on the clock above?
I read 8h14m56s
